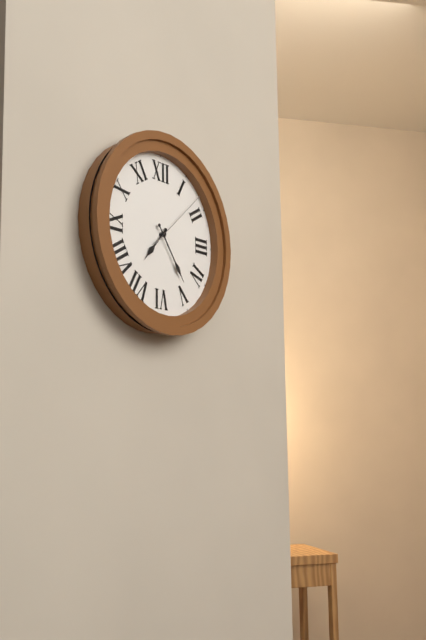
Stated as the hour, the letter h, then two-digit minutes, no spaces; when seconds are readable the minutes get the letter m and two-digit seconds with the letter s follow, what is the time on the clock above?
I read 7h24m08s
